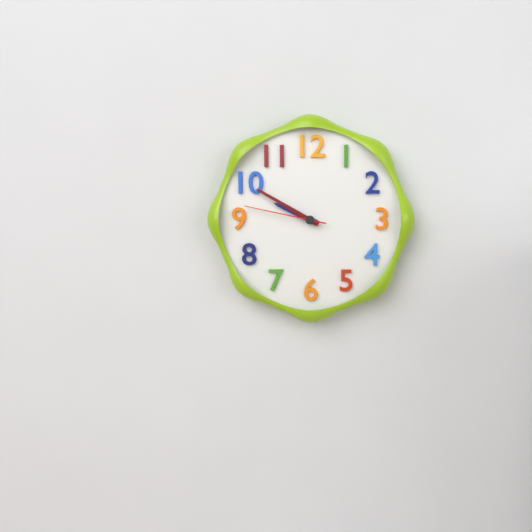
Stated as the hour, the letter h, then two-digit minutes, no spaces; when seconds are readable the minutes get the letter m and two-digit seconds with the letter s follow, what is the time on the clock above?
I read 9h50m47s
